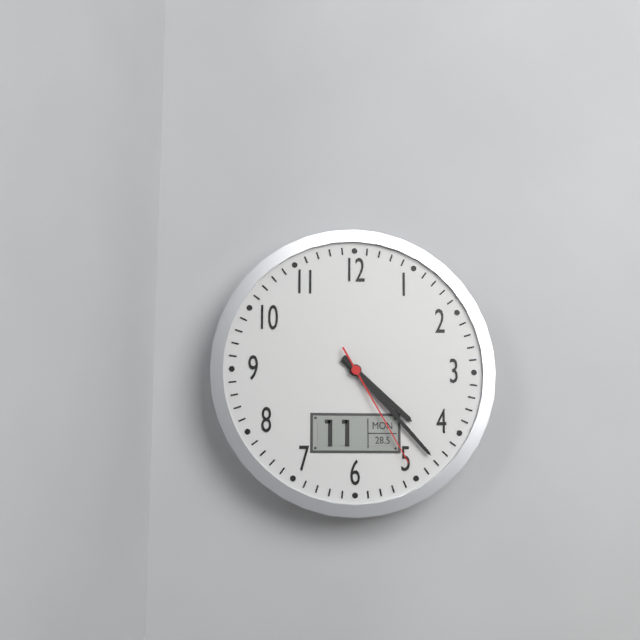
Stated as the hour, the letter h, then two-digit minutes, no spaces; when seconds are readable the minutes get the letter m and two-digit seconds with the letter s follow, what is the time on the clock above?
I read 4h23m25s
